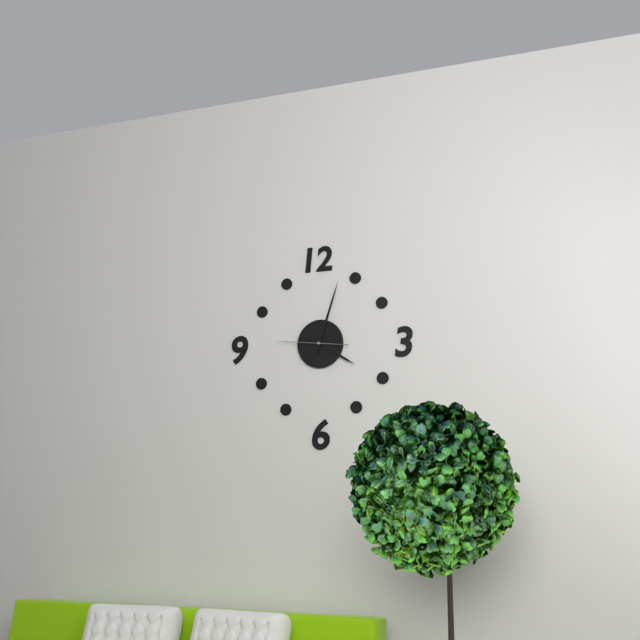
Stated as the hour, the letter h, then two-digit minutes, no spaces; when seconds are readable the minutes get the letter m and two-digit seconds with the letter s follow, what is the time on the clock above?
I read 4h03m46s
